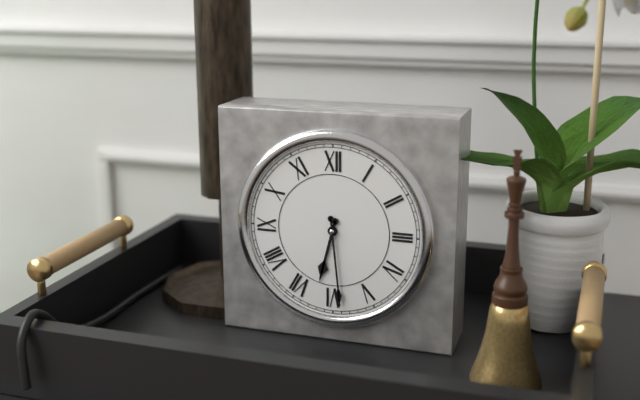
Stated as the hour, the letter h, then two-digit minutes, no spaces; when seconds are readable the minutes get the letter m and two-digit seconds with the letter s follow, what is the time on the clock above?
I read 6h29
